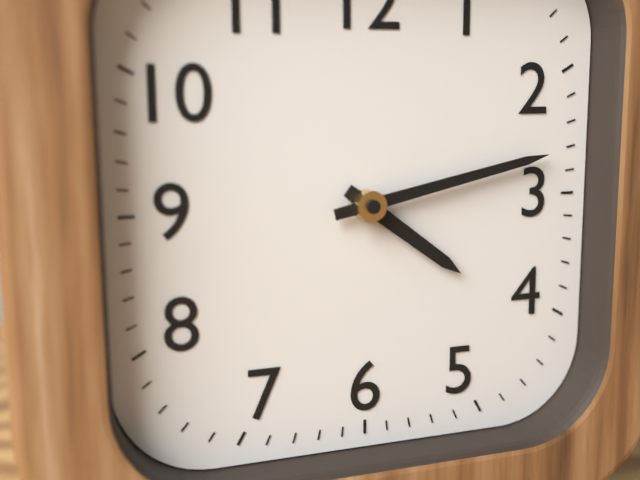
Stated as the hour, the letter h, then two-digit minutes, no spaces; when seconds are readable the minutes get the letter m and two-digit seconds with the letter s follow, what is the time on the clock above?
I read 4h13
